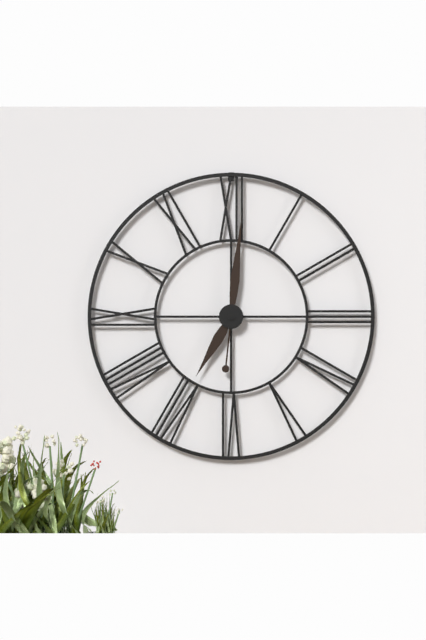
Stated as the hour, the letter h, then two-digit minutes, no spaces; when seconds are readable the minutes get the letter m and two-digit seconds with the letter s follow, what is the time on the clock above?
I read 7h01
